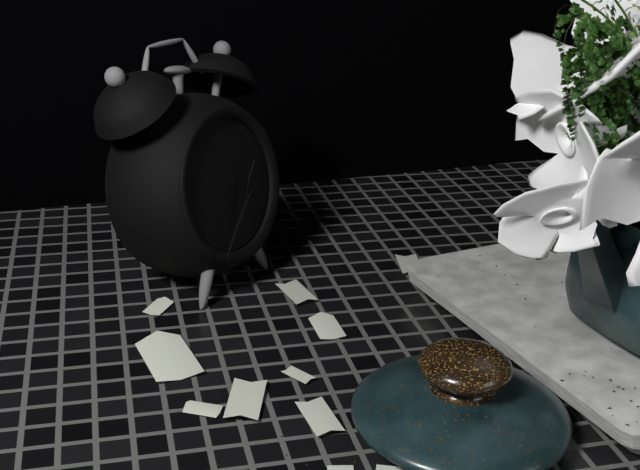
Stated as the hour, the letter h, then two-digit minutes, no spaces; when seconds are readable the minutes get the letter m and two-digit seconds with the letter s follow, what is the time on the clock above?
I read 12h36
